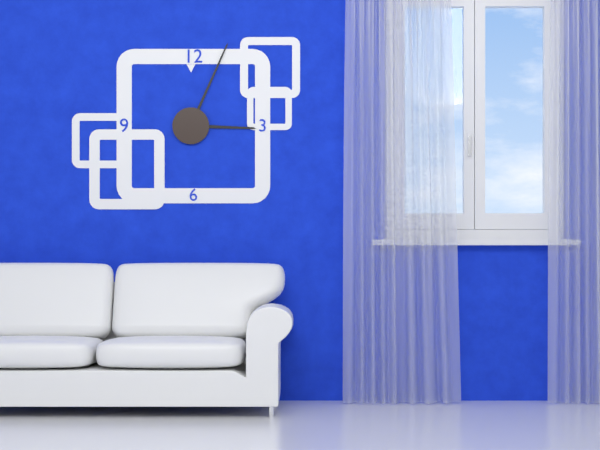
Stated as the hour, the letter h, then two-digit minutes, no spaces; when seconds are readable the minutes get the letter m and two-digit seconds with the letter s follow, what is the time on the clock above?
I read 3h04
